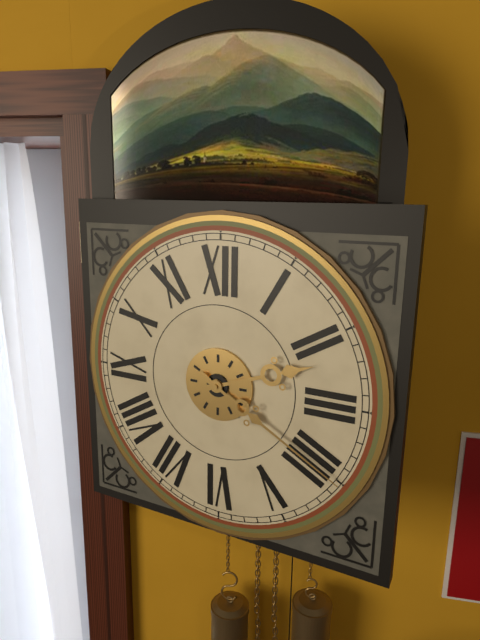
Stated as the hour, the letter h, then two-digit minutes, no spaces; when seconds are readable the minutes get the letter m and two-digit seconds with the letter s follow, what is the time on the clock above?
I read 2h20
